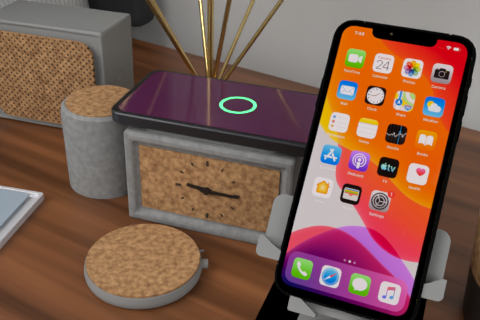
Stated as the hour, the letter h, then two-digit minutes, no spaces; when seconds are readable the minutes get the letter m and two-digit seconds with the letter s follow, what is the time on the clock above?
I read 9h15
